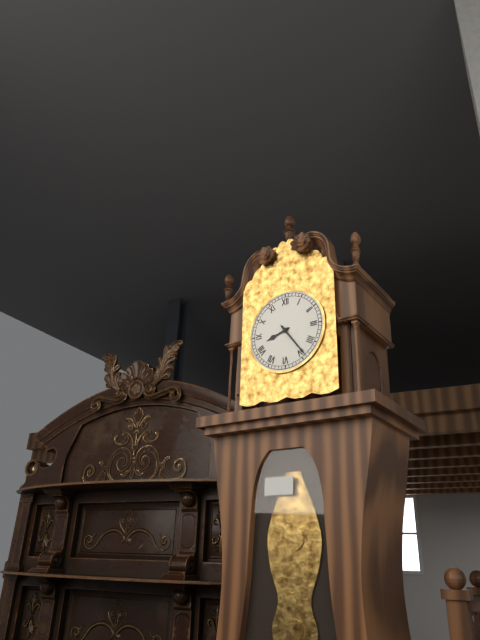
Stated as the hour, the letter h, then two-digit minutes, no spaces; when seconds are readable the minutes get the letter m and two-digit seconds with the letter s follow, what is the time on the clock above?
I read 8h24
